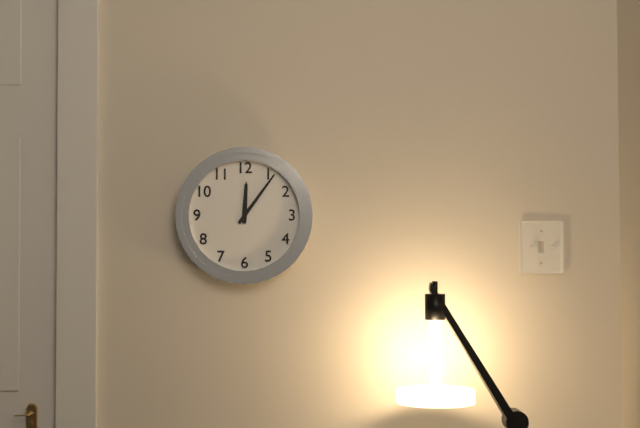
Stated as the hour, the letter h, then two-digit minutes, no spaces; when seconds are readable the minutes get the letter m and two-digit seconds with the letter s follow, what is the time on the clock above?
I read 12h06
